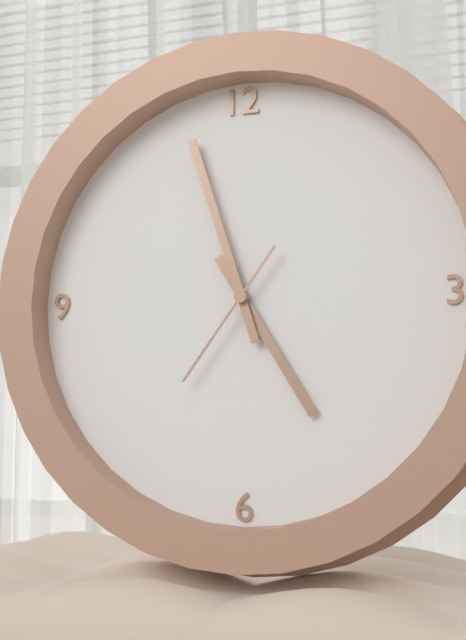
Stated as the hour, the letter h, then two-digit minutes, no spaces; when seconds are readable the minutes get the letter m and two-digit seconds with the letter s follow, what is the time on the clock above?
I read 4h57m36s
